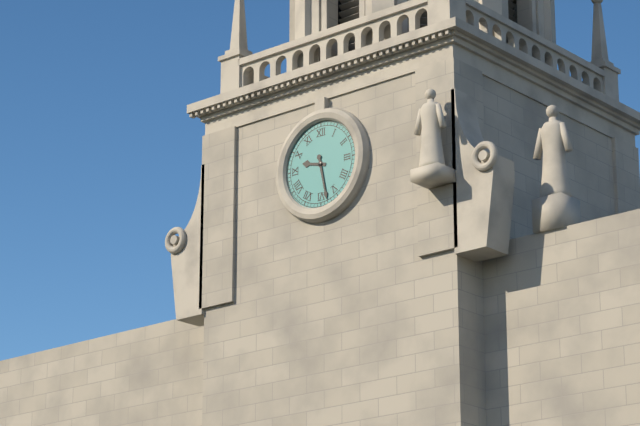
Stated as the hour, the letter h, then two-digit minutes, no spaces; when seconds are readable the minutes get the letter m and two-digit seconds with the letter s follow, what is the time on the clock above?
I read 9h28
